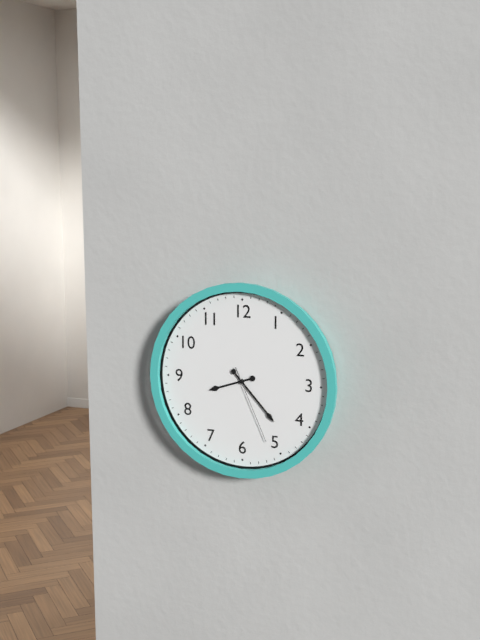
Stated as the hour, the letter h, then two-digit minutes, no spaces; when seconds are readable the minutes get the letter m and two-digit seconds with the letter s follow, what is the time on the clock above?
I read 8h23m26s
